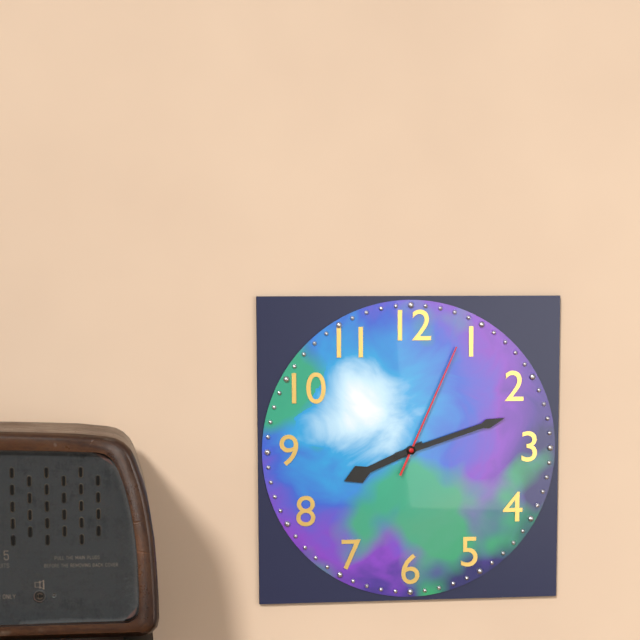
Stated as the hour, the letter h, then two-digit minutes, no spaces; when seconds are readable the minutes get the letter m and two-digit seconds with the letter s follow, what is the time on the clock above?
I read 8h12m04s
